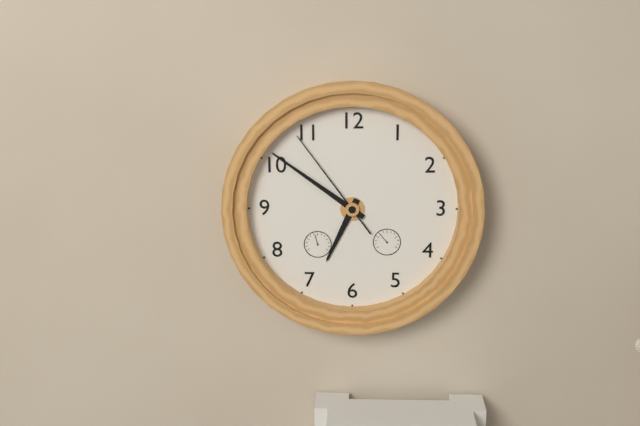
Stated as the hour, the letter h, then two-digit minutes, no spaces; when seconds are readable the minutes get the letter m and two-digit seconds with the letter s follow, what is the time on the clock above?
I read 6h51m54s
